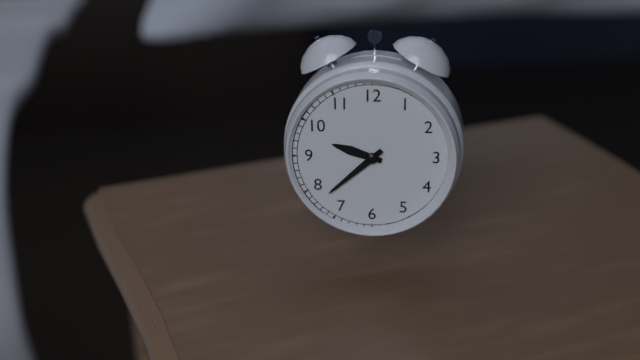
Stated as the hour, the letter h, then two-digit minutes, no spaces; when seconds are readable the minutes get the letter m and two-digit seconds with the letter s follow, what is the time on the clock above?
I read 9h38
